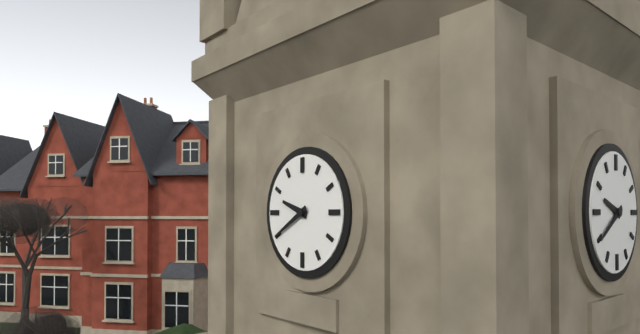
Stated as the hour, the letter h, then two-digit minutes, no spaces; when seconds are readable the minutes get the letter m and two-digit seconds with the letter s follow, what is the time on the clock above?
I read 9h40
